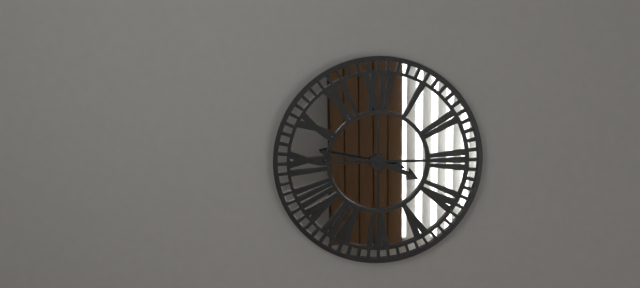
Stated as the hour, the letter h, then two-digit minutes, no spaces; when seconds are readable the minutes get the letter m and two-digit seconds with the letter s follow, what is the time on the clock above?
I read 3h47
